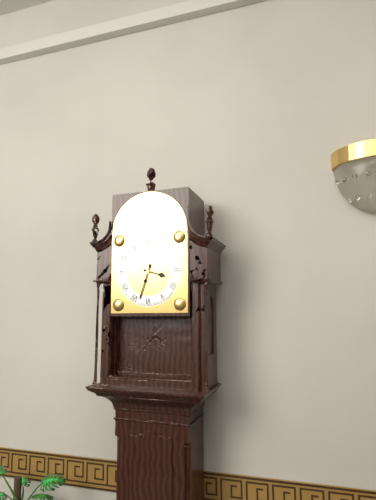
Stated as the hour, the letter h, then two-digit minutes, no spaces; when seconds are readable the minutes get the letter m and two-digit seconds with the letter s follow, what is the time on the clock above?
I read 3h33
